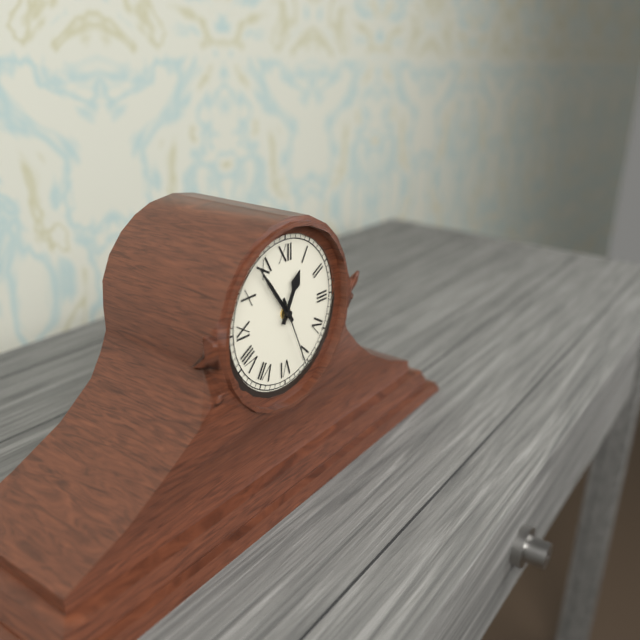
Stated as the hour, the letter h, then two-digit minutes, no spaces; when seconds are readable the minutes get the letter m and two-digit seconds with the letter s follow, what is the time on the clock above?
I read 12h54m26s
